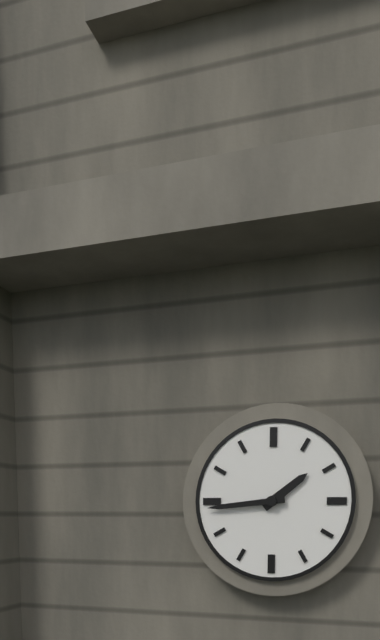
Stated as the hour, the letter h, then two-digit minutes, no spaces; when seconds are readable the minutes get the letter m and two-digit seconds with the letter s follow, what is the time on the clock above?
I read 1h44
